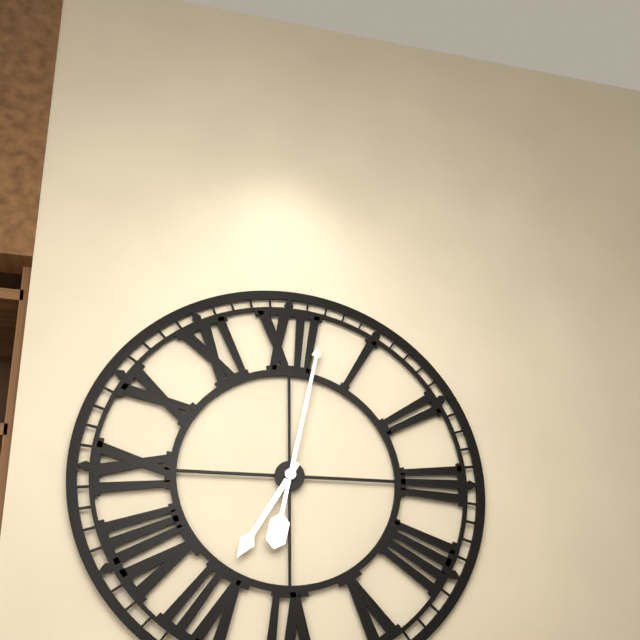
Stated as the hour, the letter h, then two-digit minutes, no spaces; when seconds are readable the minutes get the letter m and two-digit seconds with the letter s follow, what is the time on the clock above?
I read 7h02
